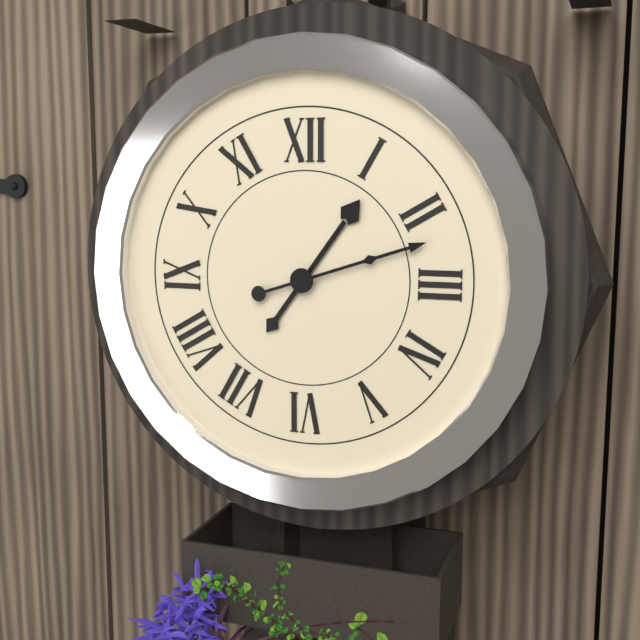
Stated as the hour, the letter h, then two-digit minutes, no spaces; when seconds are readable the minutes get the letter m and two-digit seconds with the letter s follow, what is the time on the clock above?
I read 1h12
